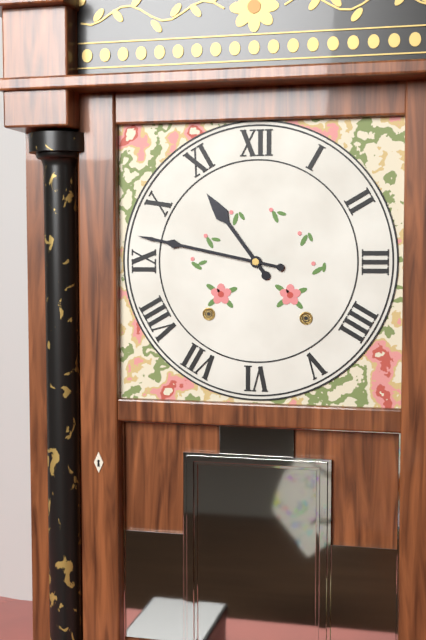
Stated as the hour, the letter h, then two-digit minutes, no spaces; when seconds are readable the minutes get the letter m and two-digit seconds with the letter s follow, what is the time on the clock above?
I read 10h47
